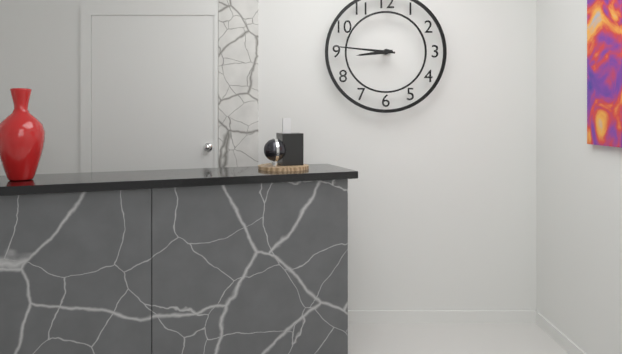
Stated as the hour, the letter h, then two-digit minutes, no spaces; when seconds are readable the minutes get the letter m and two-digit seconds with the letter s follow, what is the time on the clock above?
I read 8h46
